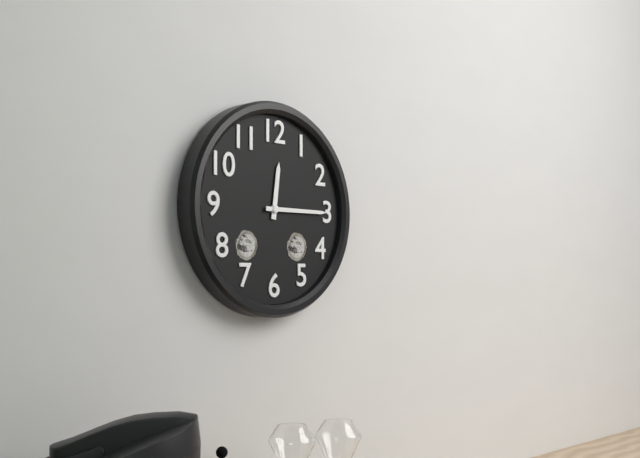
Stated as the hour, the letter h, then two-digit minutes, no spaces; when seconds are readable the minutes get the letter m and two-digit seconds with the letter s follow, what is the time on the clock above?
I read 12h15
